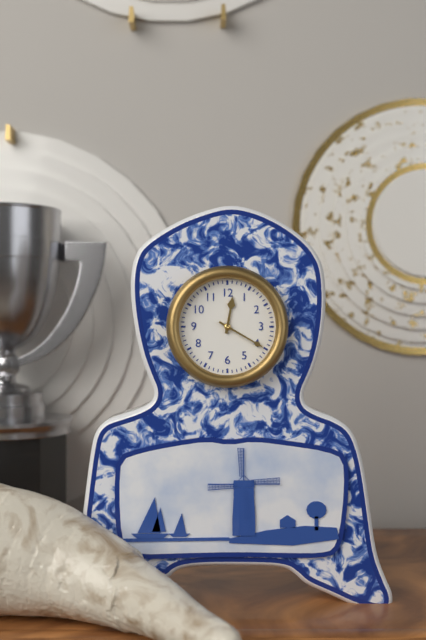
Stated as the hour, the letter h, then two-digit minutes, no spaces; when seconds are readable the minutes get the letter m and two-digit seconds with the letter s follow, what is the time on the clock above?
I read 12h20
